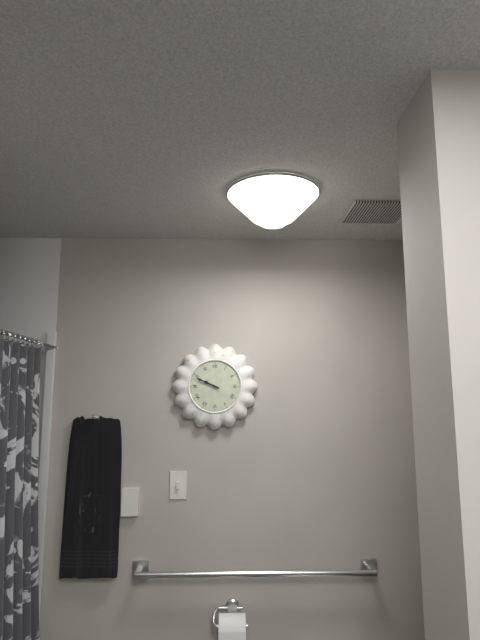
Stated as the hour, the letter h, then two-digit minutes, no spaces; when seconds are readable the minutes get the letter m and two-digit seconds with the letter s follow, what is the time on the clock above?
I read 9h49
